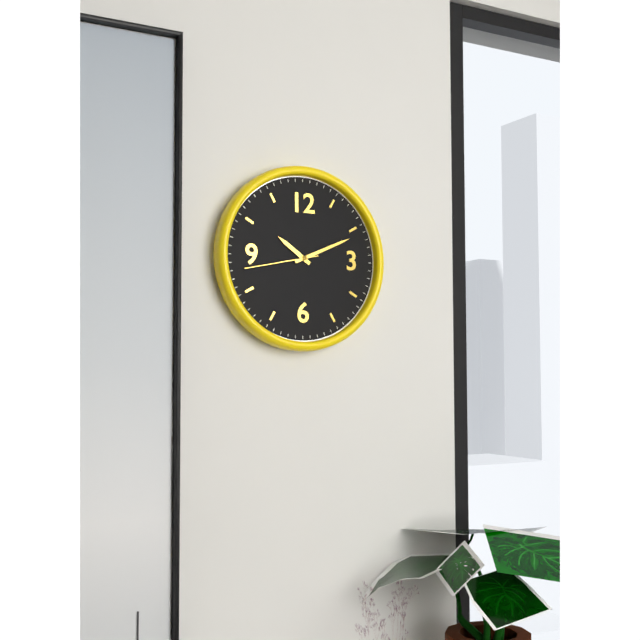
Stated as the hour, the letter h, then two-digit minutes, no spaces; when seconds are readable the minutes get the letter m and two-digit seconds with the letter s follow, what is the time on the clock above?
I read 10h11m43s
